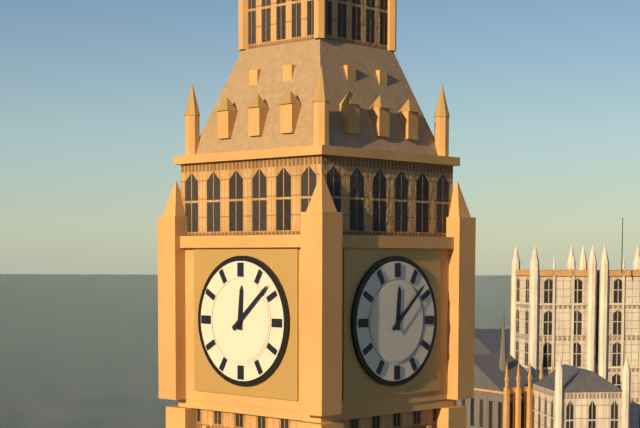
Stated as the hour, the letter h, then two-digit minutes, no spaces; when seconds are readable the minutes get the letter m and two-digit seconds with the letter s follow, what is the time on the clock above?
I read 12h08
